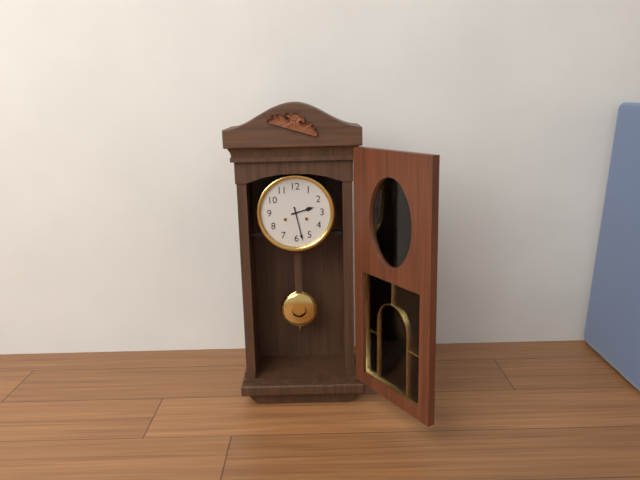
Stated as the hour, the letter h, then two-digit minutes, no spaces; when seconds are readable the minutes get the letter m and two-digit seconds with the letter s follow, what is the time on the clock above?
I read 2h28
